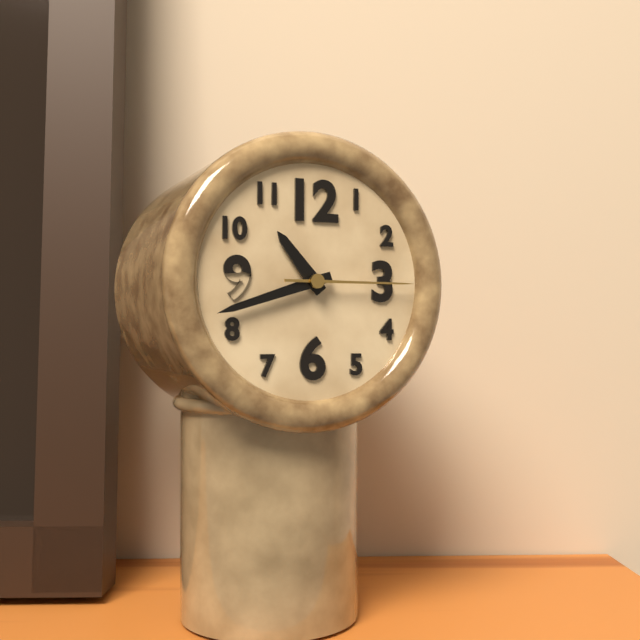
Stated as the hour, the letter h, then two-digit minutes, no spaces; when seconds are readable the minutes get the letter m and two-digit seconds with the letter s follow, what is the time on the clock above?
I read 10h42m15s
